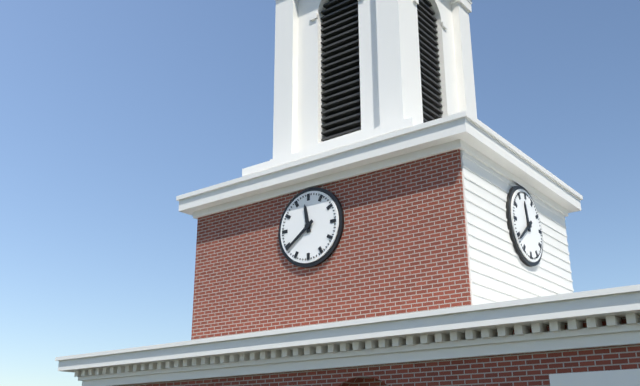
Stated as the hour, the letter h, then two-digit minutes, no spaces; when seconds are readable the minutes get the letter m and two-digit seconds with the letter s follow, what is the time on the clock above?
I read 11h39
